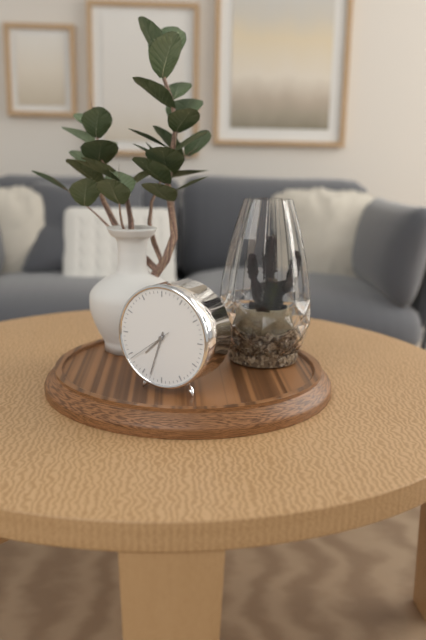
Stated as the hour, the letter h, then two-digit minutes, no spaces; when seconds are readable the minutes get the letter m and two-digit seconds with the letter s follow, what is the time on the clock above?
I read 7h33
